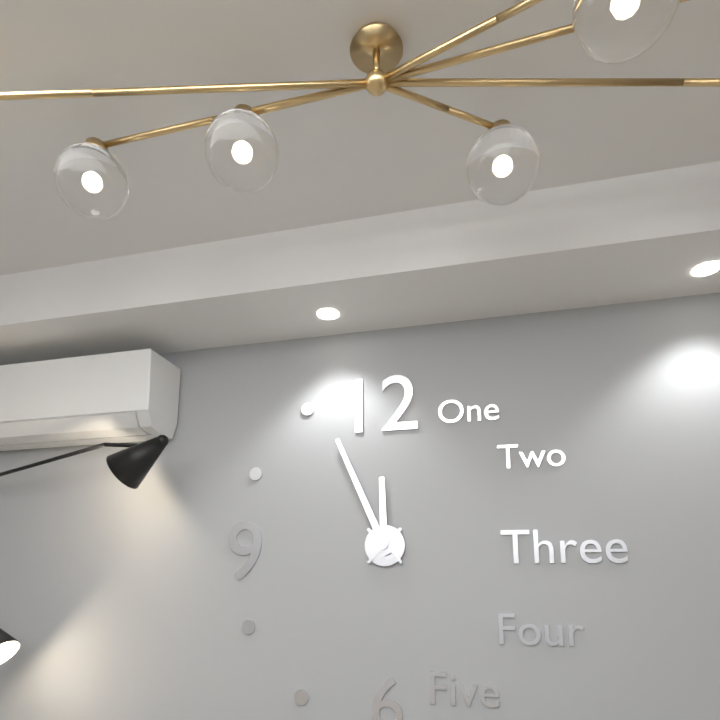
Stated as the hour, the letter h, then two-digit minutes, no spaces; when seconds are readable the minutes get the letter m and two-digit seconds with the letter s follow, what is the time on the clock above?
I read 11h56
